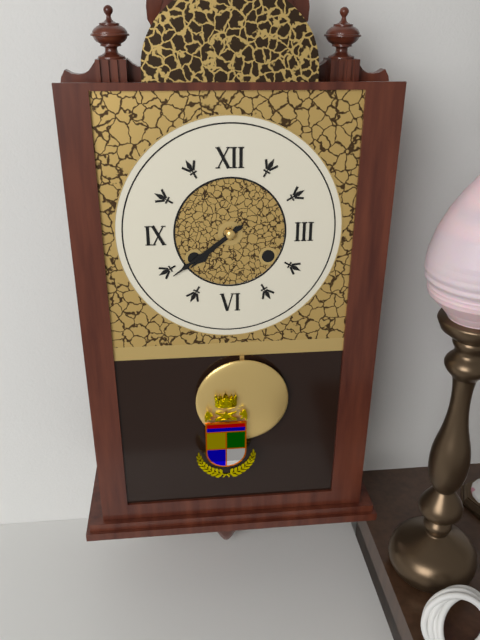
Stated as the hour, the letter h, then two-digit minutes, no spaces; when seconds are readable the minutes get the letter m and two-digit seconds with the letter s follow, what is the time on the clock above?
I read 7h39
